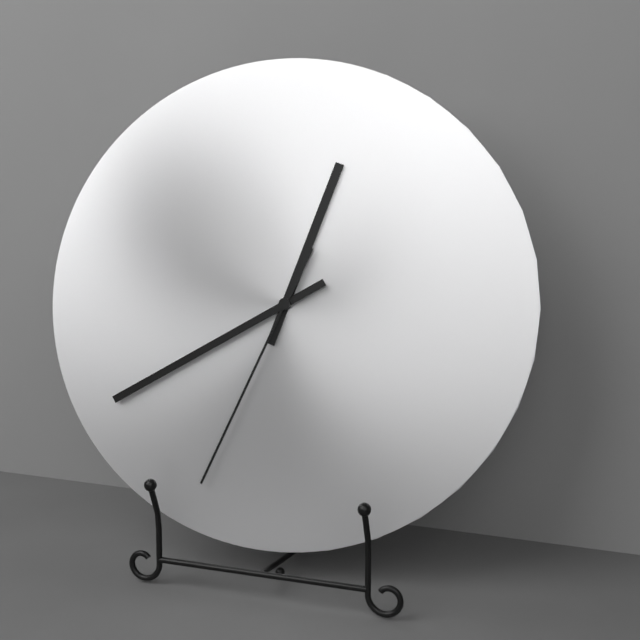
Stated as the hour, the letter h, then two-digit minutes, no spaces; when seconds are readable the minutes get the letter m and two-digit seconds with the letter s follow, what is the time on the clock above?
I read 12h40m34s
